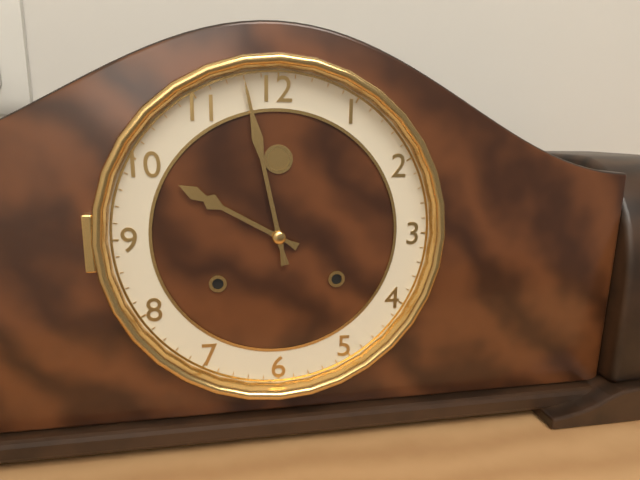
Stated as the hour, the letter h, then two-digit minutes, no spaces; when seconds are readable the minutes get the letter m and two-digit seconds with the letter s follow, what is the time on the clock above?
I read 9h58
